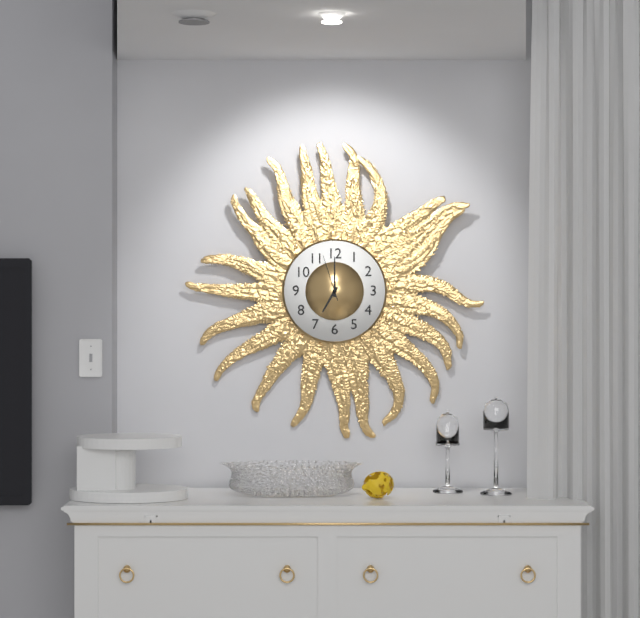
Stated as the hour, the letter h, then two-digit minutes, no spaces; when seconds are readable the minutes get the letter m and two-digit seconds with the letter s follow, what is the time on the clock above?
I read 7h00
